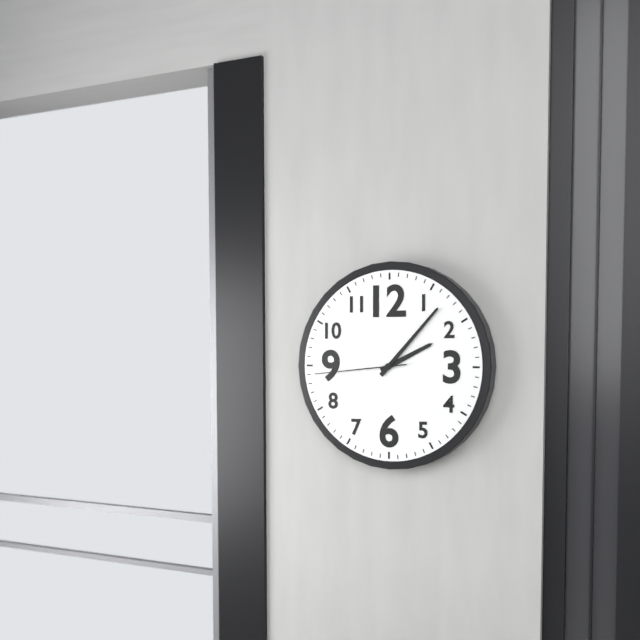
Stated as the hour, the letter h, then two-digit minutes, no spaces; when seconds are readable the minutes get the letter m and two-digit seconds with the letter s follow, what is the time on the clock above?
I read 2h07m44s
